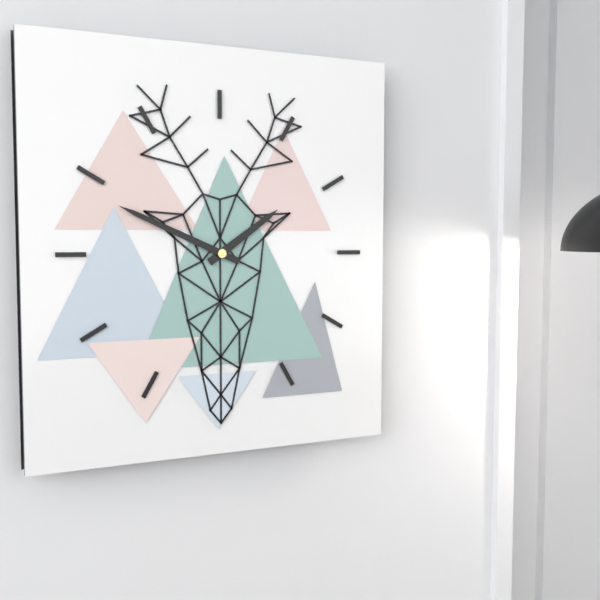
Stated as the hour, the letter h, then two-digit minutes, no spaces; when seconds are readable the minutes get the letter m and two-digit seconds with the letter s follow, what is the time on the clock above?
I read 1h49
